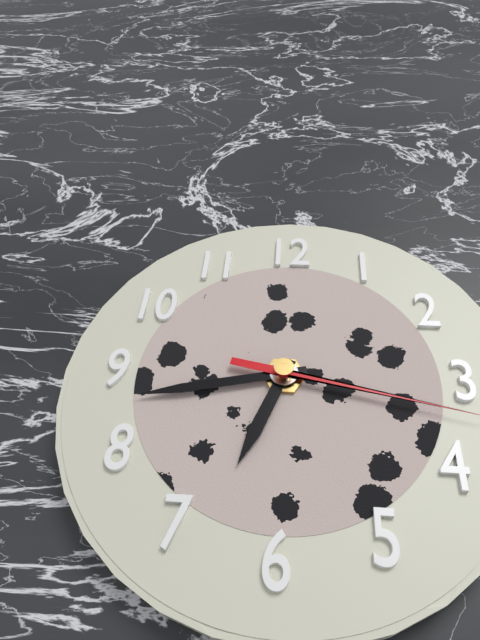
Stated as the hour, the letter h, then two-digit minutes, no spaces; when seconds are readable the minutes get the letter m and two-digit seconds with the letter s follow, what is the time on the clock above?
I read 6h43
